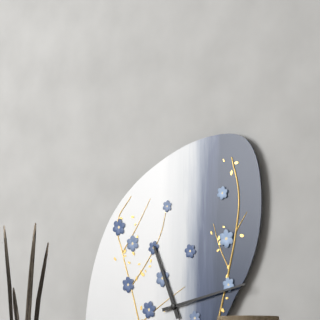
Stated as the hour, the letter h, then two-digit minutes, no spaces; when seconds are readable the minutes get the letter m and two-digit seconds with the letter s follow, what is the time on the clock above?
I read 11h13
